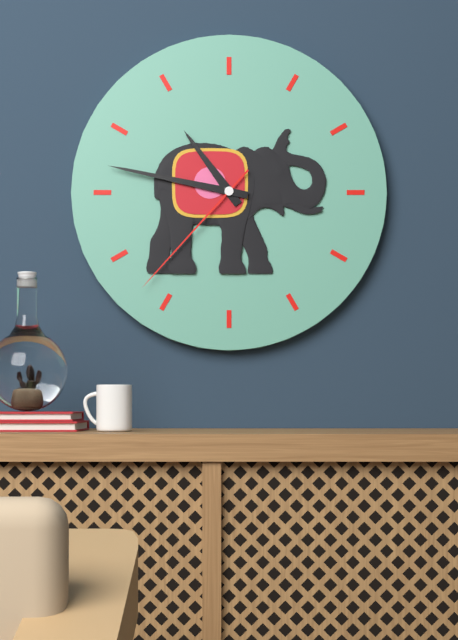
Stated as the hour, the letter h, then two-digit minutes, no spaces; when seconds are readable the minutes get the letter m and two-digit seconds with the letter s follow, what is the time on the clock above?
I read 10h47m37s
